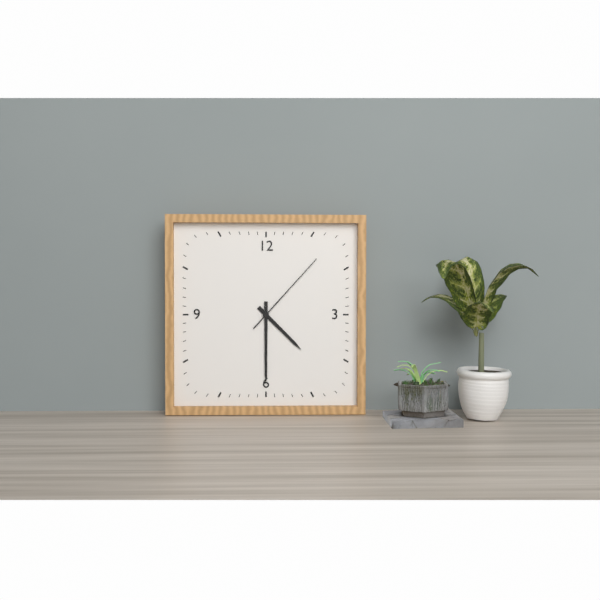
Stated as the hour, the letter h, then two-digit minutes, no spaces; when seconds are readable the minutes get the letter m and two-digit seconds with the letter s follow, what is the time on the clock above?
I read 4h30m07s
